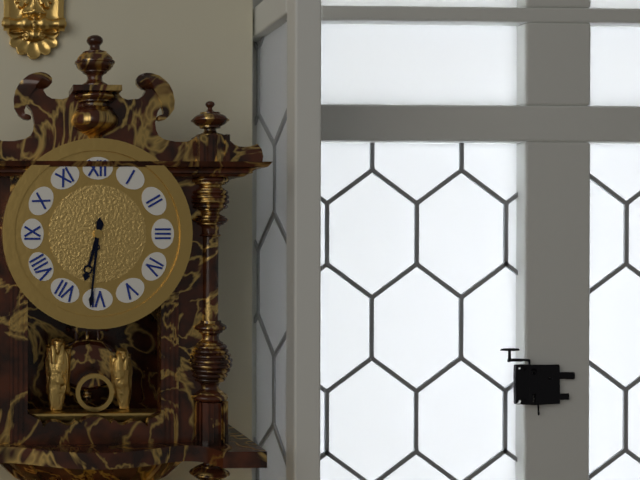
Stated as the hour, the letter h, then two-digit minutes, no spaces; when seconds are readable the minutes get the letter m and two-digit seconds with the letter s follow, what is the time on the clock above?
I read 6h31
